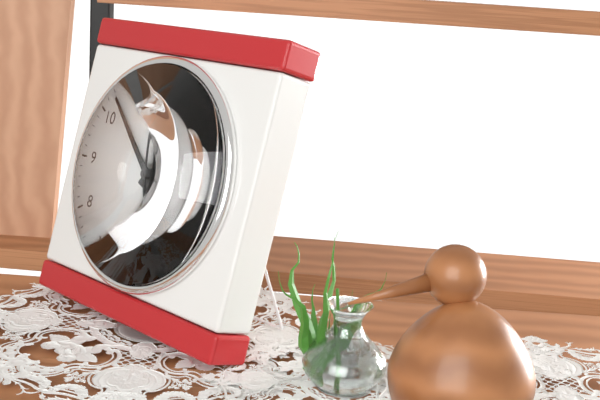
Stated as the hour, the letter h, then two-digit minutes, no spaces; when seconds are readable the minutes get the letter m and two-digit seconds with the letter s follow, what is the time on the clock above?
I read 12h52m58s
